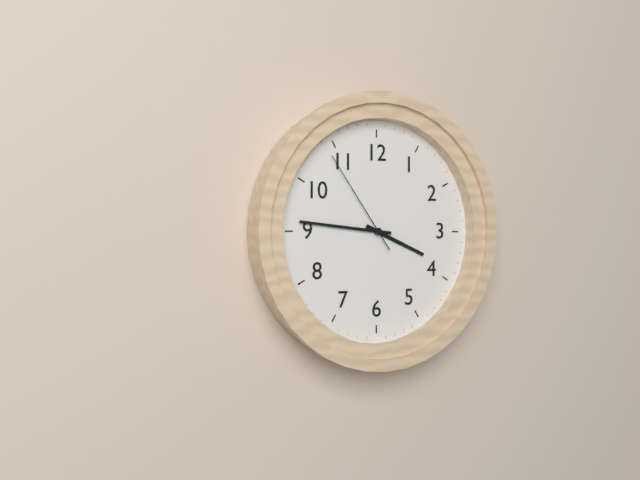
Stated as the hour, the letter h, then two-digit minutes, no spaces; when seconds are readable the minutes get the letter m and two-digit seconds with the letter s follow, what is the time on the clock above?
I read 3h46m54s
